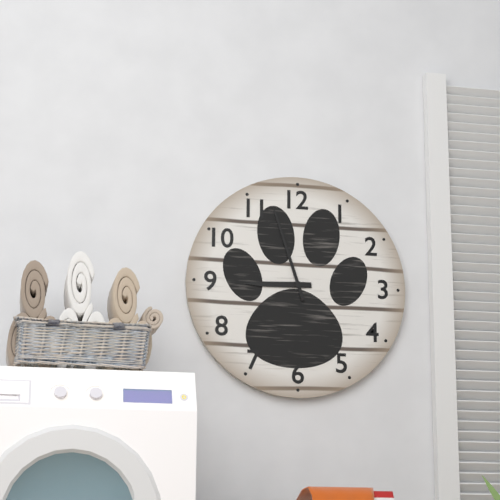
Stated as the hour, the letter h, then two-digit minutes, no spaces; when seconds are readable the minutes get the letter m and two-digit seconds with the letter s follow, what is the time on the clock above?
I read 8h57
